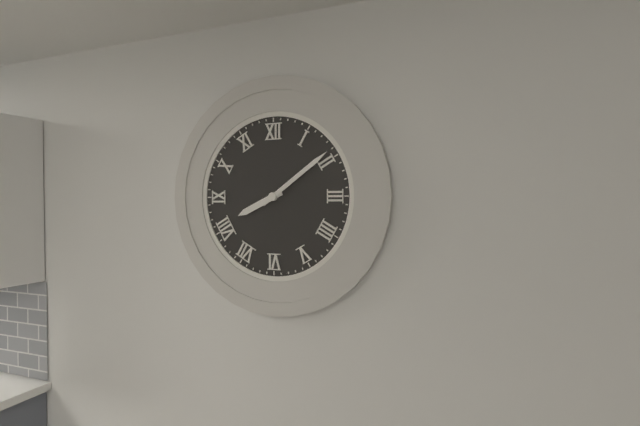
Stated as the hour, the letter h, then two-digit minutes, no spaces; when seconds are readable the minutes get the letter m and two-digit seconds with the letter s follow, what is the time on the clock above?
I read 8h09
